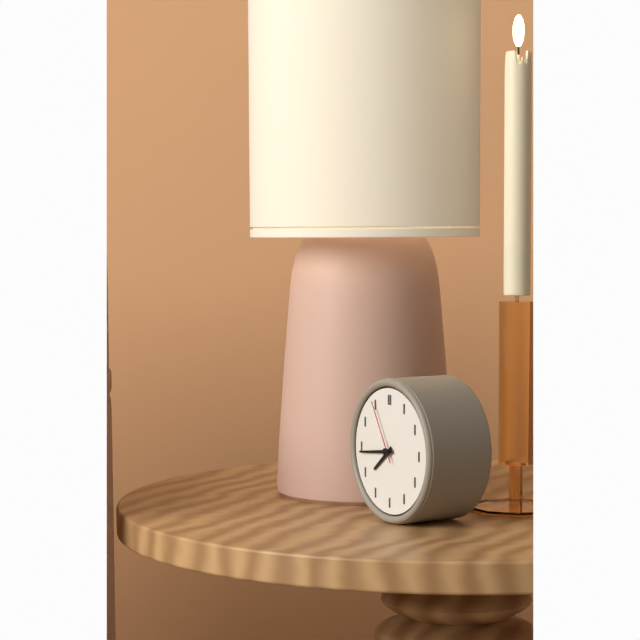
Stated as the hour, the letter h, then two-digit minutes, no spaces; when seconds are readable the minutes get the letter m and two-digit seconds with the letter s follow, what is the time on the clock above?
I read 7h44m55s
